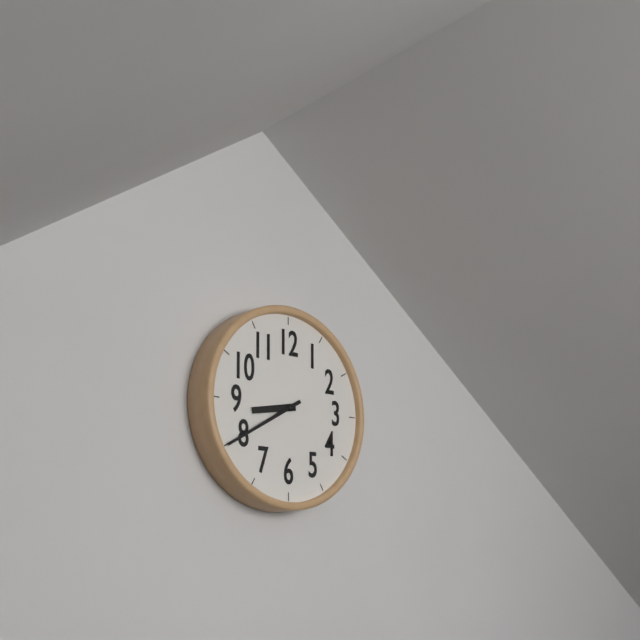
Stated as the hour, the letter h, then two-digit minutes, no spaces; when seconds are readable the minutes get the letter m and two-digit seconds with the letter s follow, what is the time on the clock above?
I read 8h40
